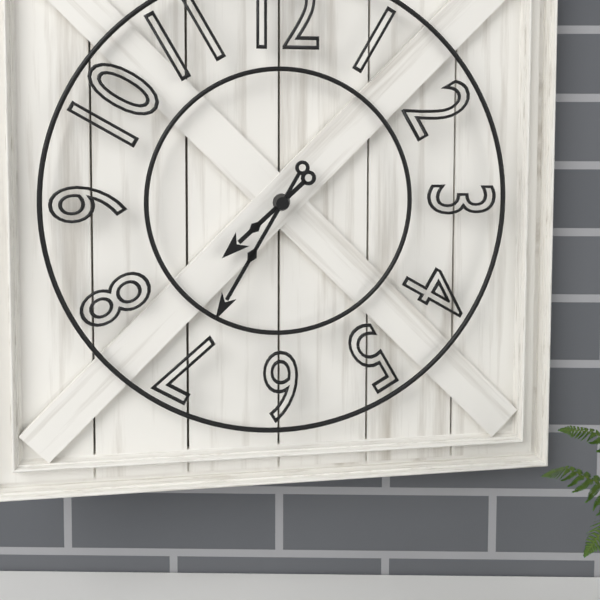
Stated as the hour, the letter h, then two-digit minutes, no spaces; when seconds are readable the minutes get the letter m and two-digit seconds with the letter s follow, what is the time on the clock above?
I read 7h35
